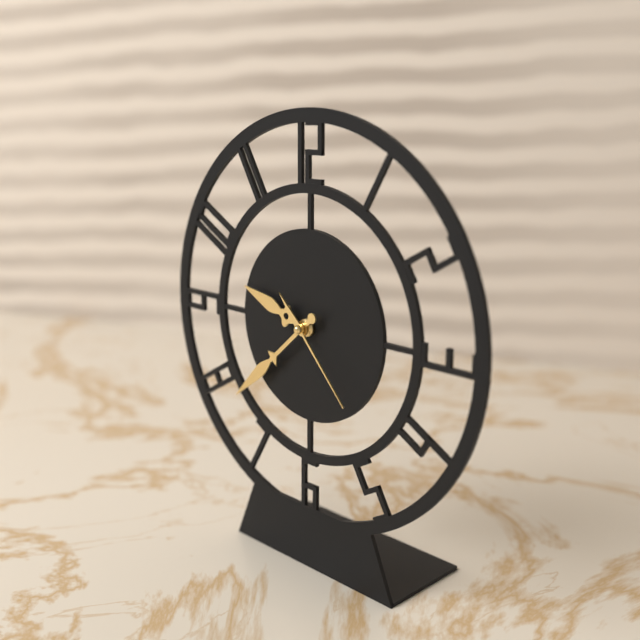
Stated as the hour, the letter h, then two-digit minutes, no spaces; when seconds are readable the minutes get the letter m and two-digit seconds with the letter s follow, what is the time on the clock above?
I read 9h38m23s
